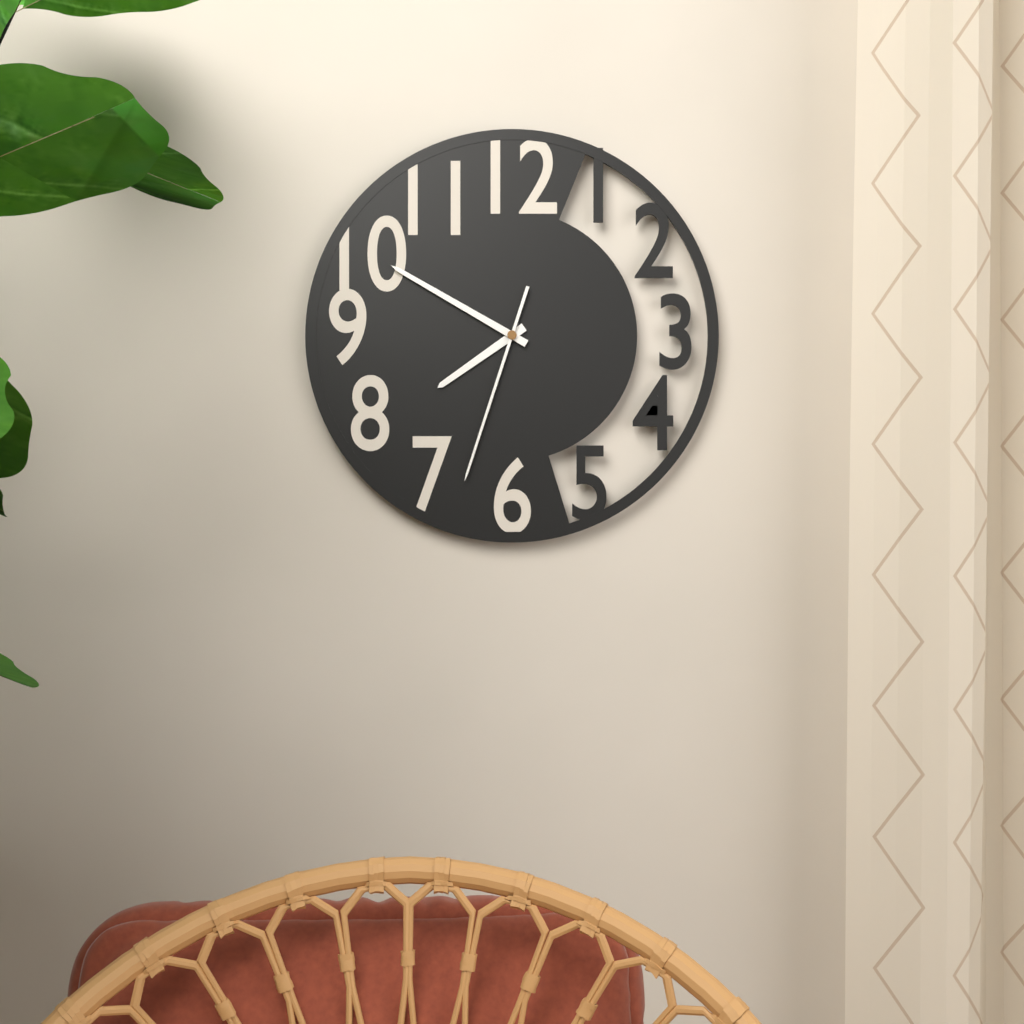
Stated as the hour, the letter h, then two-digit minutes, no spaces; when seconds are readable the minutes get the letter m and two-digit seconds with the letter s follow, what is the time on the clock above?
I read 7h50m33s
